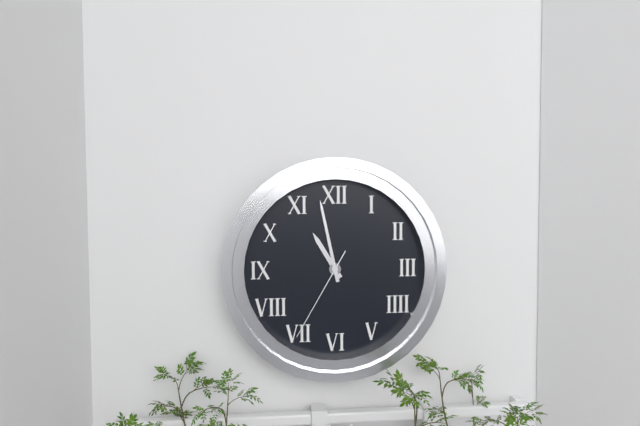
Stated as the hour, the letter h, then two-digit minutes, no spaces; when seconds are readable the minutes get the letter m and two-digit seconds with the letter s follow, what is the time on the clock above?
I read 10h58m35s
